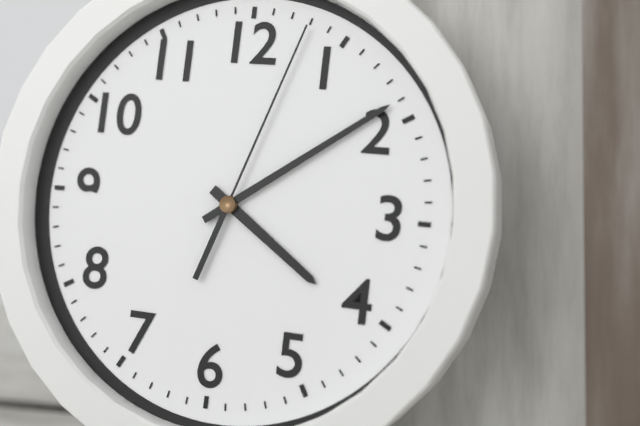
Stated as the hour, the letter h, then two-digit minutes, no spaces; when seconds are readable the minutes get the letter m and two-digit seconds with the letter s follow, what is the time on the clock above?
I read 4h09m03s
